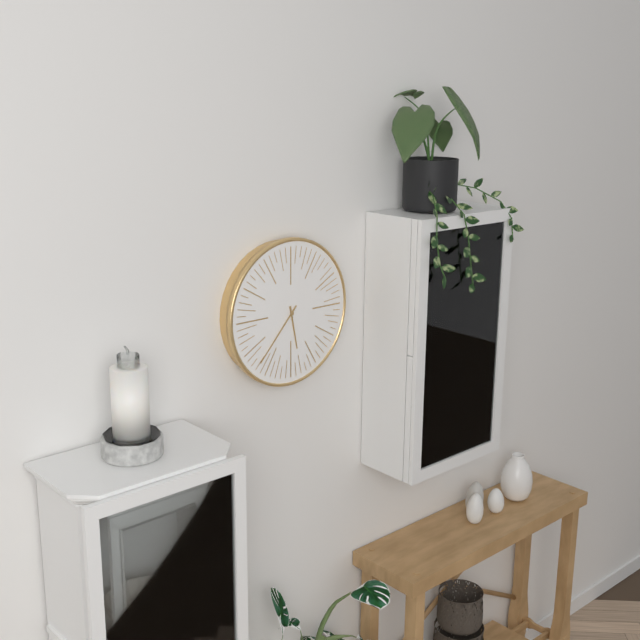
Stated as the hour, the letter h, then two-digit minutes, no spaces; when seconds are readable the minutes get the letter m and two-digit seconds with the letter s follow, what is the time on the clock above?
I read 5h37
